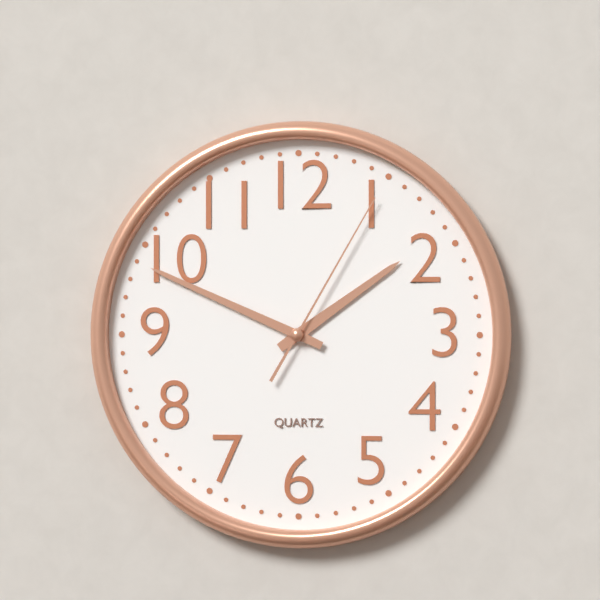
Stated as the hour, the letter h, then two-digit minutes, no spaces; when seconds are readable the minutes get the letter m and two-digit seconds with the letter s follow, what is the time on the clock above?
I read 1h49m05s
